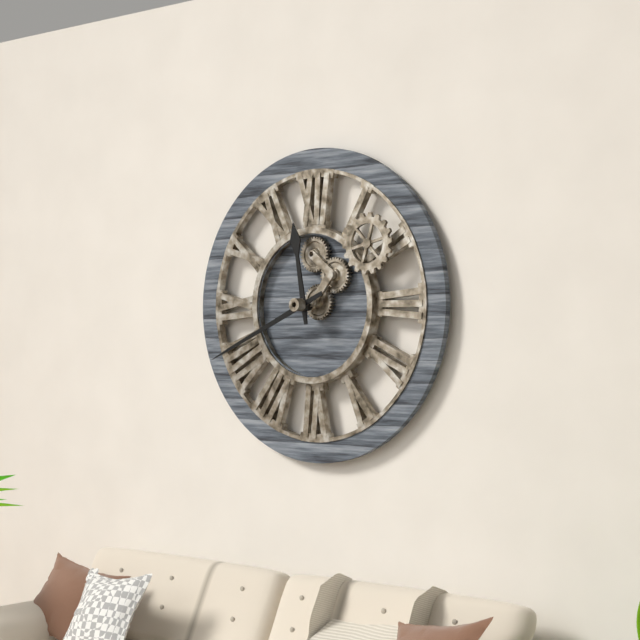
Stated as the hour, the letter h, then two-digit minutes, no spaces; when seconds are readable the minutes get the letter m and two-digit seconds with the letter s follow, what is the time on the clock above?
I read 11h41
